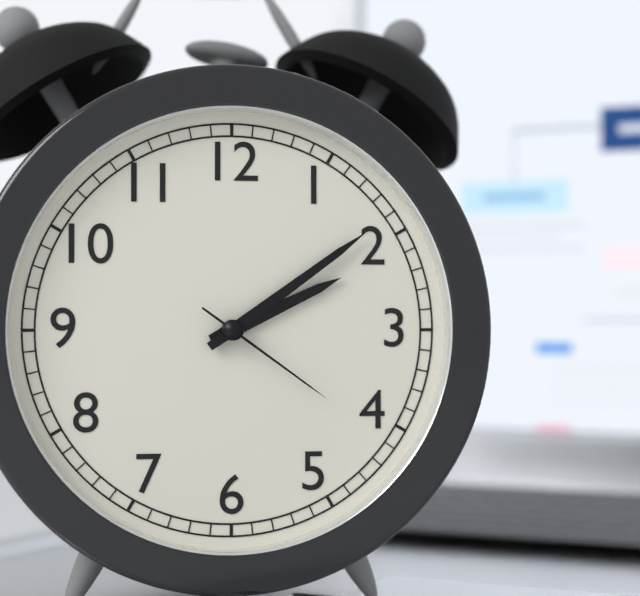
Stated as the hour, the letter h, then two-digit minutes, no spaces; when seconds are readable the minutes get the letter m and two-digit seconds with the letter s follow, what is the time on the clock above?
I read 2h09m21s
